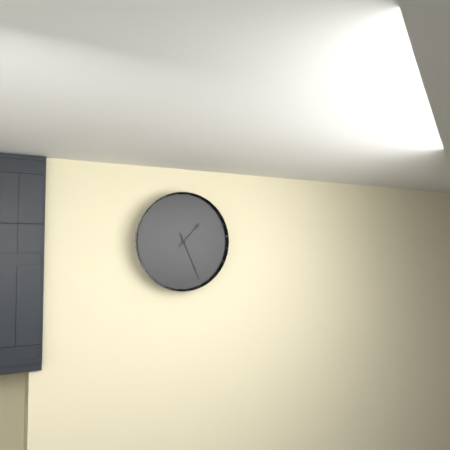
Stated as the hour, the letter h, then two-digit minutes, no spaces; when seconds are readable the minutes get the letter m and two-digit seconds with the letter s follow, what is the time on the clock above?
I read 1h26
